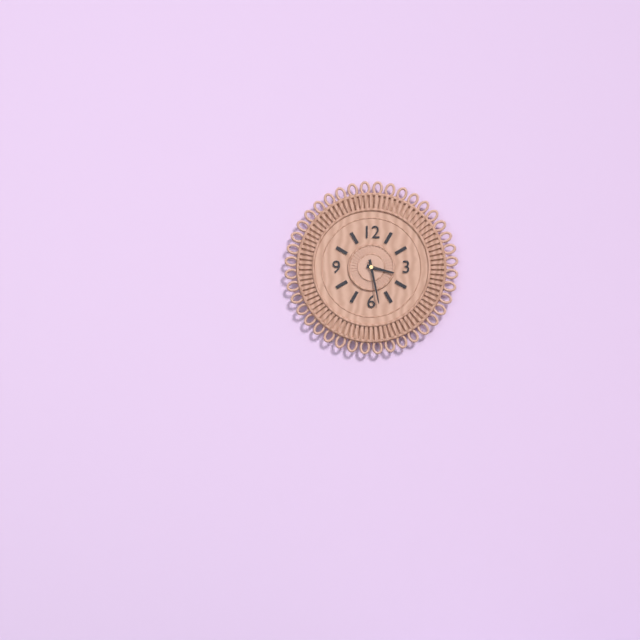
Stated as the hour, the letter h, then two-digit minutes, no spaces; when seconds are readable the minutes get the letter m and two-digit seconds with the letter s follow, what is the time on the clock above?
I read 3h28
